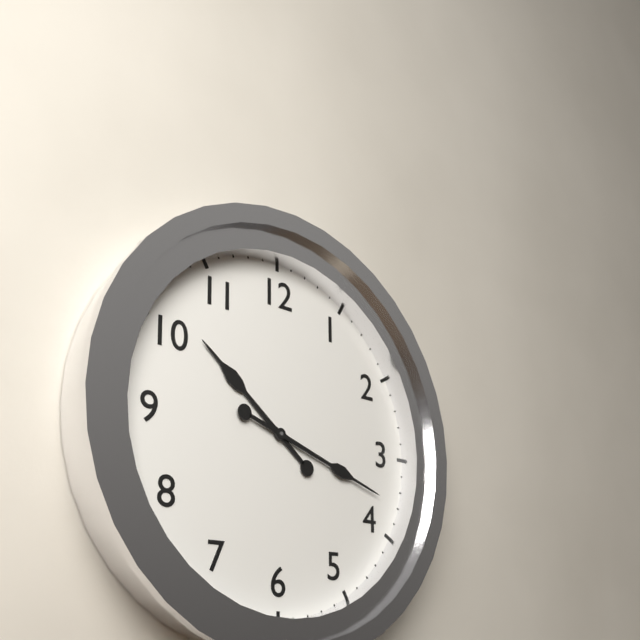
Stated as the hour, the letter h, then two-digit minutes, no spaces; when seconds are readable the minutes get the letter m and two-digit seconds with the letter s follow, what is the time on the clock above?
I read 10h18
